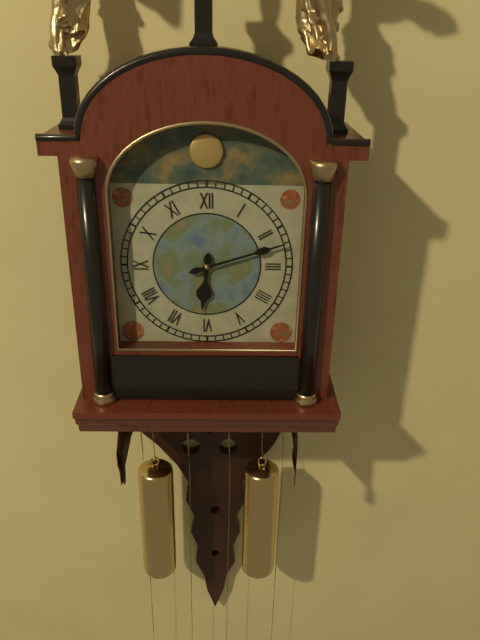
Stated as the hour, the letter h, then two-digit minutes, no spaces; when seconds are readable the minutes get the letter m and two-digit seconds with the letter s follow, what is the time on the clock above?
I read 6h12
